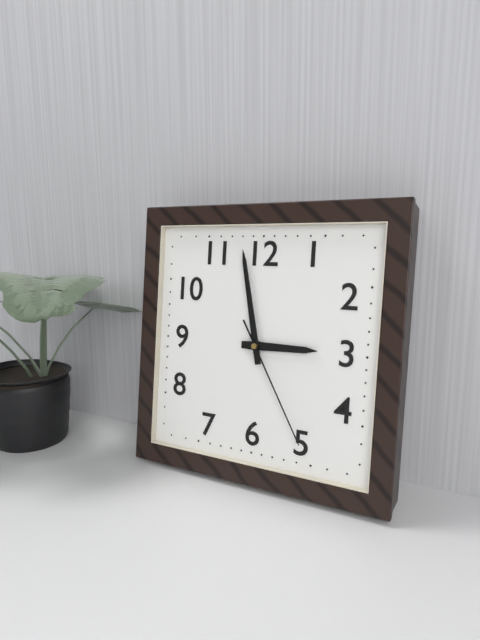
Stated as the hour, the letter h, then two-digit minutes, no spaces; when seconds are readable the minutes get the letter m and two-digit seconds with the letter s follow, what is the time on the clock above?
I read 2h58m25s
